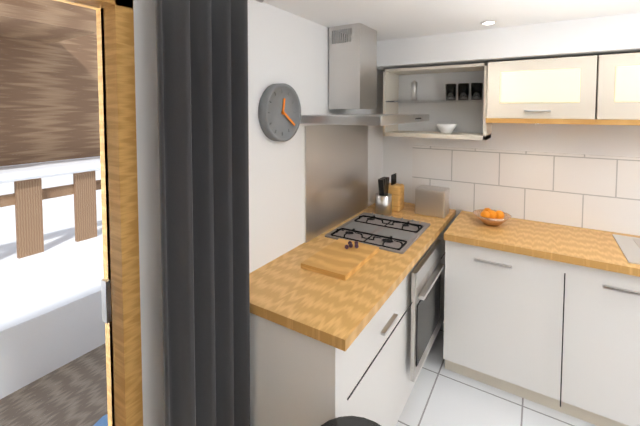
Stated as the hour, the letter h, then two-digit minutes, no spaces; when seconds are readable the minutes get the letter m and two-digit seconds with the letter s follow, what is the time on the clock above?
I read 12h21
